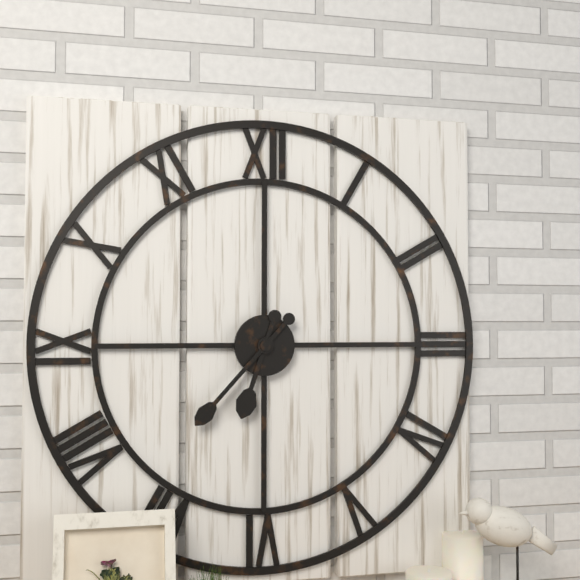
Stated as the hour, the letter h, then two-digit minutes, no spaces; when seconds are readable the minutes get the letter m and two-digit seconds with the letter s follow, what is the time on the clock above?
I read 6h37
